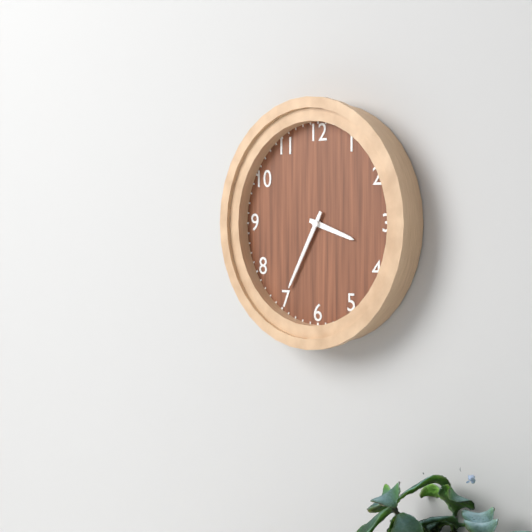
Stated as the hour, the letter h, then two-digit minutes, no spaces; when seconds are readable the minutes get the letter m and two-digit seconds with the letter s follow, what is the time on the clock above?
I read 3h35
